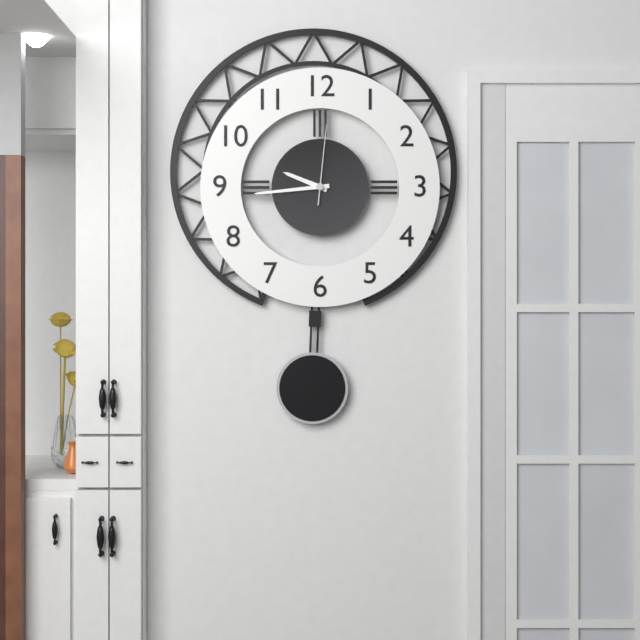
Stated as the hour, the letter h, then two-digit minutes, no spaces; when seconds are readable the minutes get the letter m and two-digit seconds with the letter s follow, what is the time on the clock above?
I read 9h44m01s
